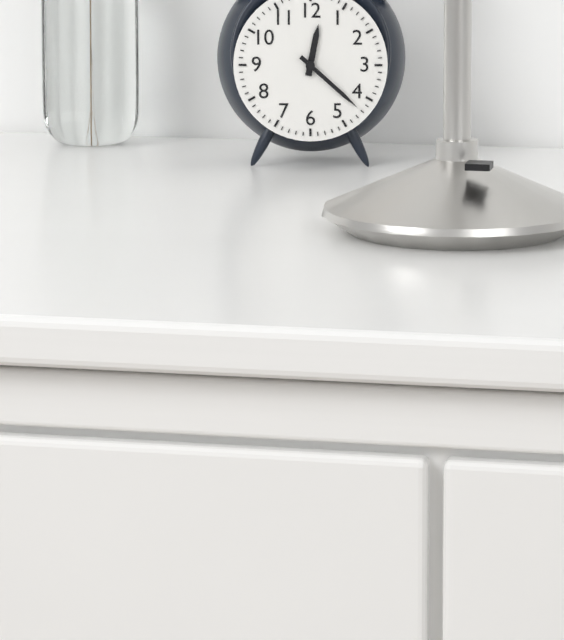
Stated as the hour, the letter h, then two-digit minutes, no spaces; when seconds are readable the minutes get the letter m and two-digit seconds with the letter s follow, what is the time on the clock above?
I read 12h22
